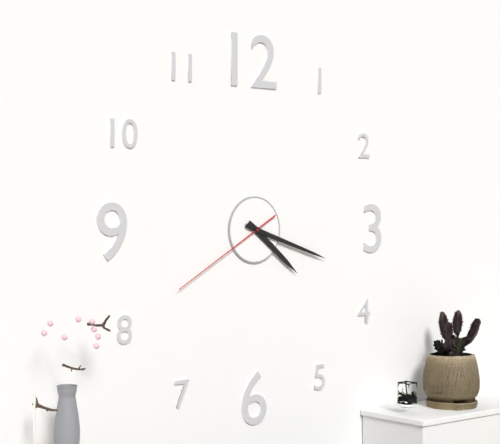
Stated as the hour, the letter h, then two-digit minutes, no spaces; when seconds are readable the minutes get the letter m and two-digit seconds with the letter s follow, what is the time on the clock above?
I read 4h18m40s
